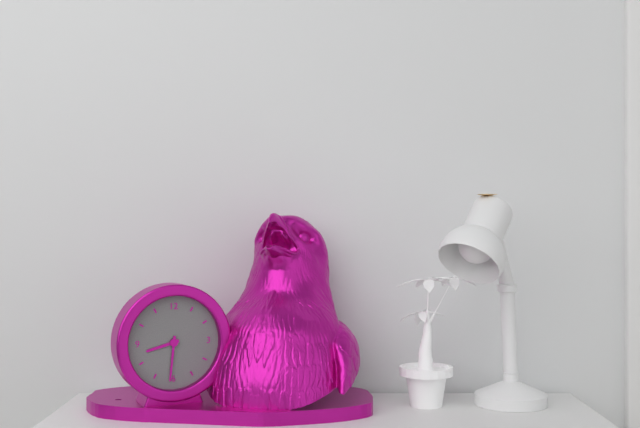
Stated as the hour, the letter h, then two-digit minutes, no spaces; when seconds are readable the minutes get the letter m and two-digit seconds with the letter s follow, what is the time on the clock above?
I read 8h31
